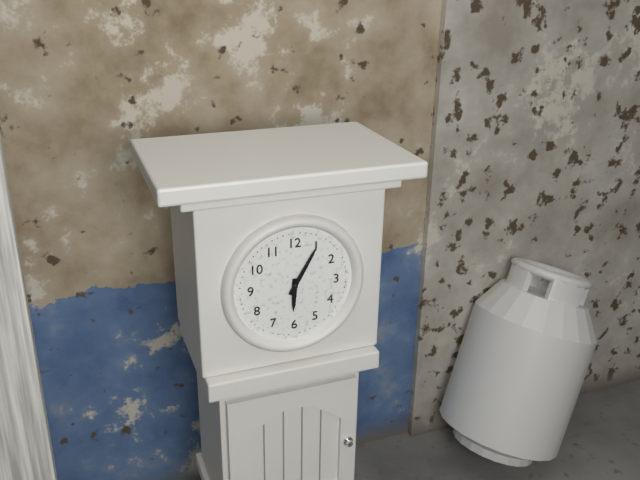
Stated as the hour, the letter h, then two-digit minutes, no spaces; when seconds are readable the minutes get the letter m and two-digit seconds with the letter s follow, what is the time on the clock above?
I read 6h05
